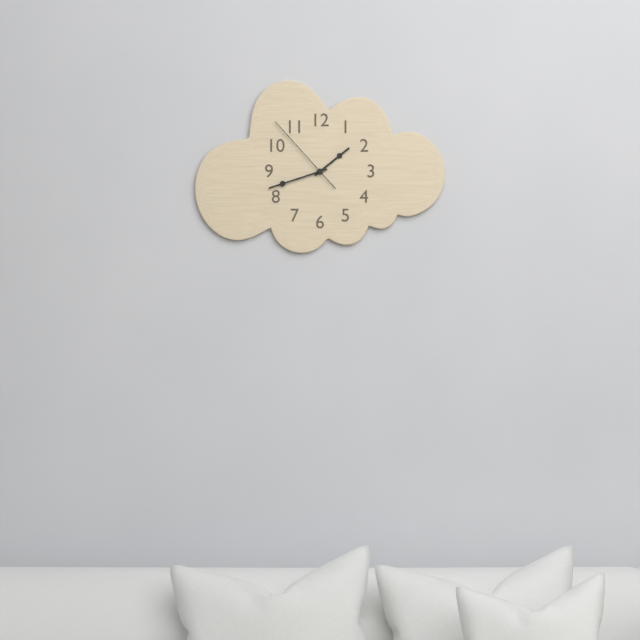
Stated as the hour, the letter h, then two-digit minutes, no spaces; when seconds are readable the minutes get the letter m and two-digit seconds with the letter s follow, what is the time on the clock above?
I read 1h42m53s
